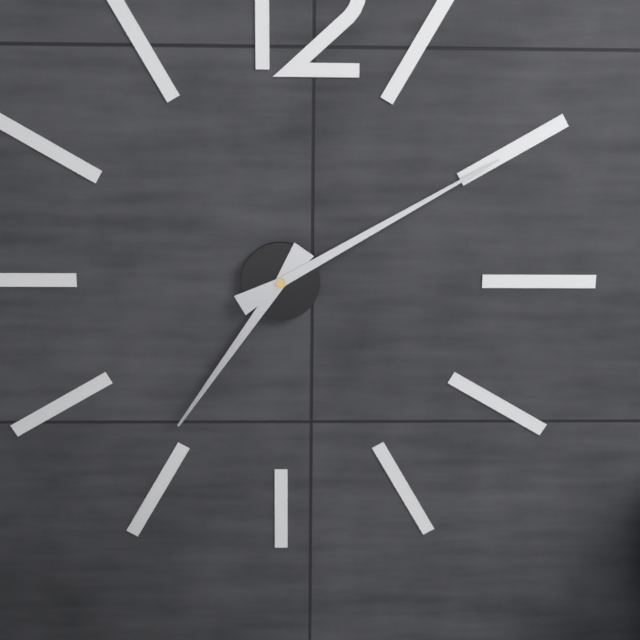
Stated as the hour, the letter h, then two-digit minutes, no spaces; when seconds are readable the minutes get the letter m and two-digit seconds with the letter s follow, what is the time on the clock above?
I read 7h10
